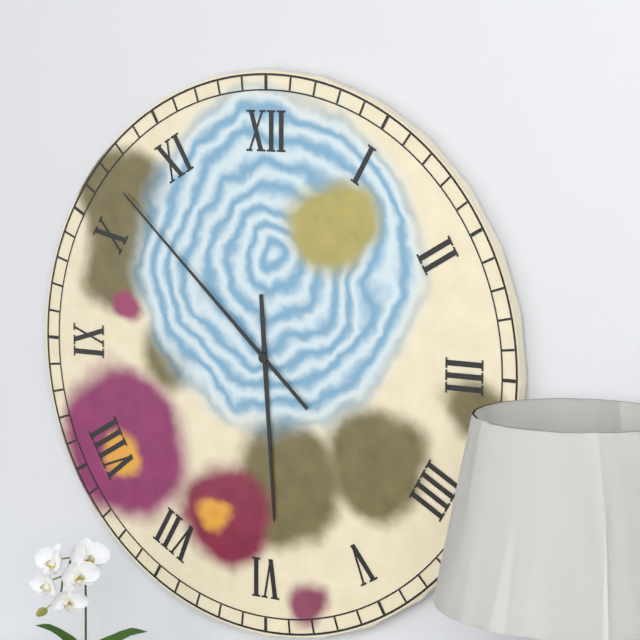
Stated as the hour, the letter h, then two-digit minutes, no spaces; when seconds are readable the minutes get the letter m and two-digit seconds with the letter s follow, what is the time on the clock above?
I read 5h52
